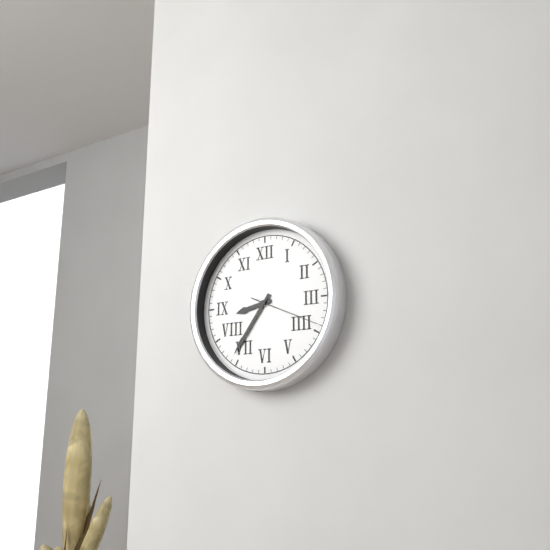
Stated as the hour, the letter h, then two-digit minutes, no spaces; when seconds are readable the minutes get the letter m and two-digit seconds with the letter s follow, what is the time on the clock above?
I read 8h36m19s
